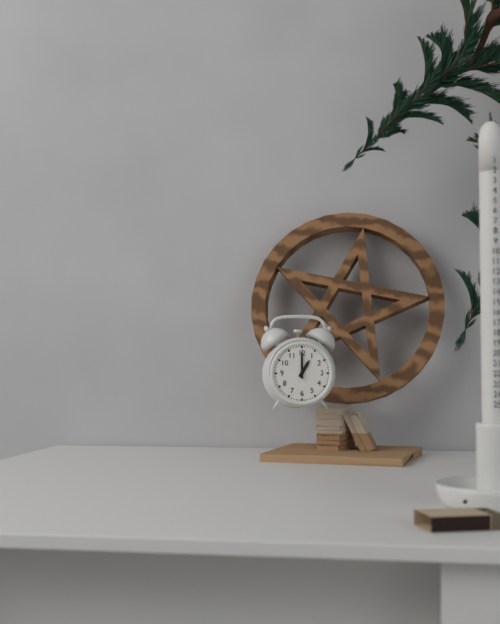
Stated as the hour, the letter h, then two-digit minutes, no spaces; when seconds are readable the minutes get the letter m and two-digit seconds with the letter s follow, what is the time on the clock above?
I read 1h00
